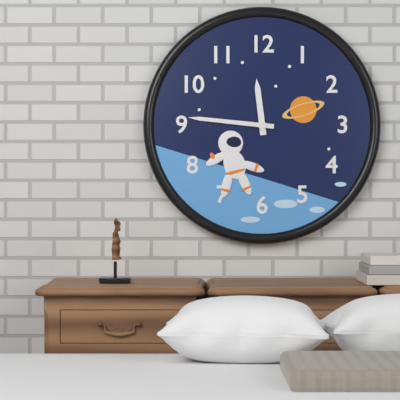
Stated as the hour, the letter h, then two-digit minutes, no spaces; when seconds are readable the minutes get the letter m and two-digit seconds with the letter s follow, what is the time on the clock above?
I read 11h46
